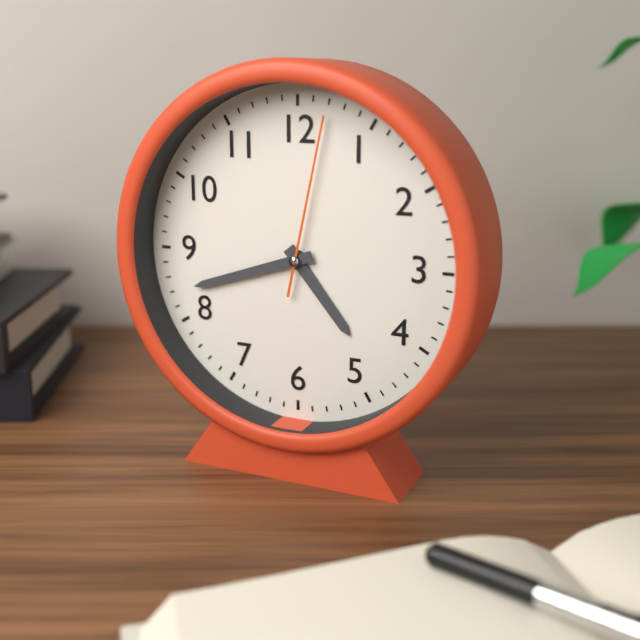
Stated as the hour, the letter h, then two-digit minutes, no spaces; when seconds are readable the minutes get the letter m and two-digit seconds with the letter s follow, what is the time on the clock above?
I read 4h42m02s
